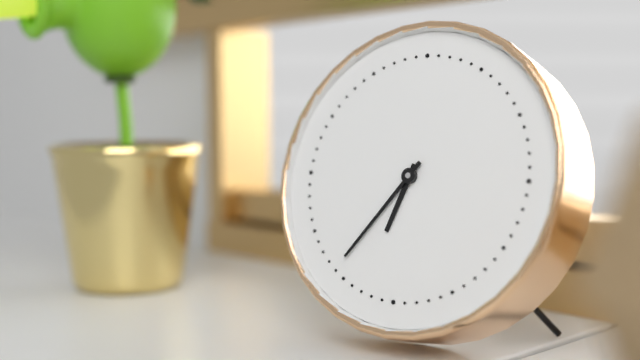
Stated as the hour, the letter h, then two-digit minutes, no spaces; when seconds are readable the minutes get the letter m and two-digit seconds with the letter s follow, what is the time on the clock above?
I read 6h36
